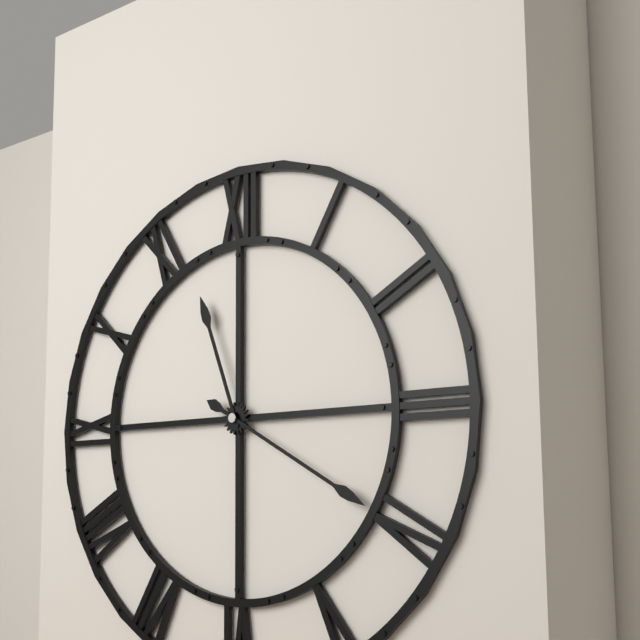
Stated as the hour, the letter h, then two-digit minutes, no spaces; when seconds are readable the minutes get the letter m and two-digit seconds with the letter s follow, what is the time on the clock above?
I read 11h20
